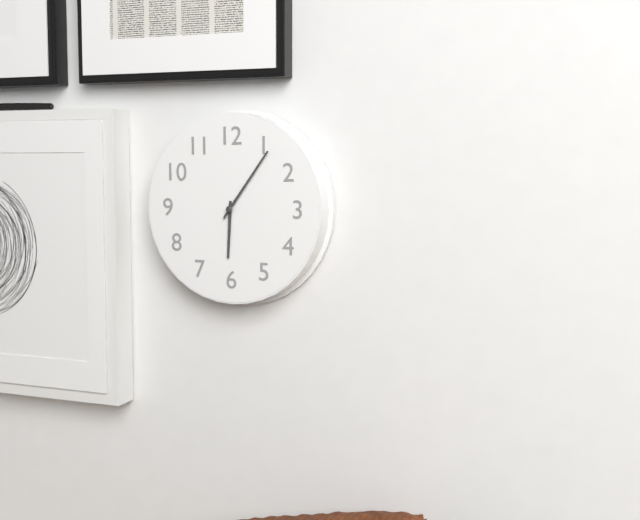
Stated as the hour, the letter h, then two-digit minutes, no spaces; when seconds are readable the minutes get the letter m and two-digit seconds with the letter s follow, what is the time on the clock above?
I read 6h06
